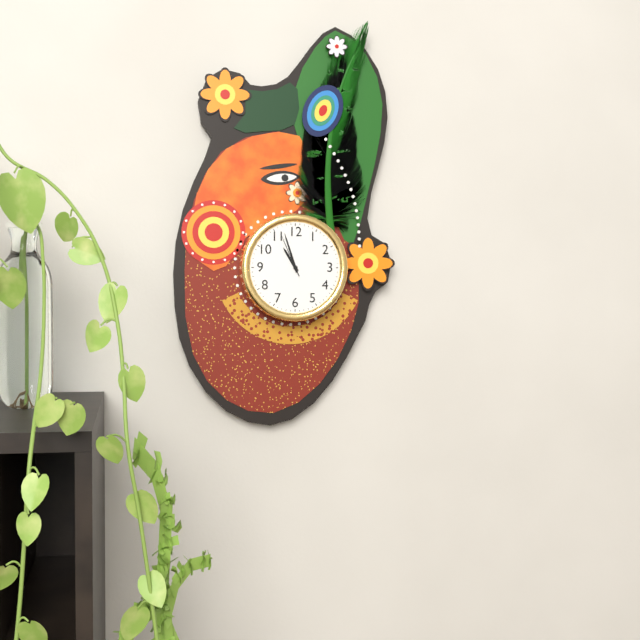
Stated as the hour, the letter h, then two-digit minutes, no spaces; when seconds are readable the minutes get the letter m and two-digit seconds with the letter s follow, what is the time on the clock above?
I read 10h57
